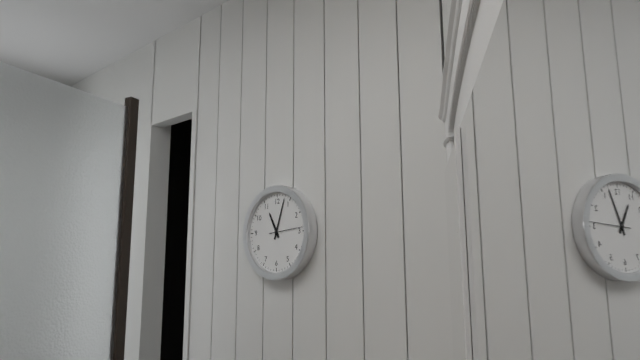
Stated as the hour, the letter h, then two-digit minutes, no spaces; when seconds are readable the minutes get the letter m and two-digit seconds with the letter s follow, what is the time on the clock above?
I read 11h03
